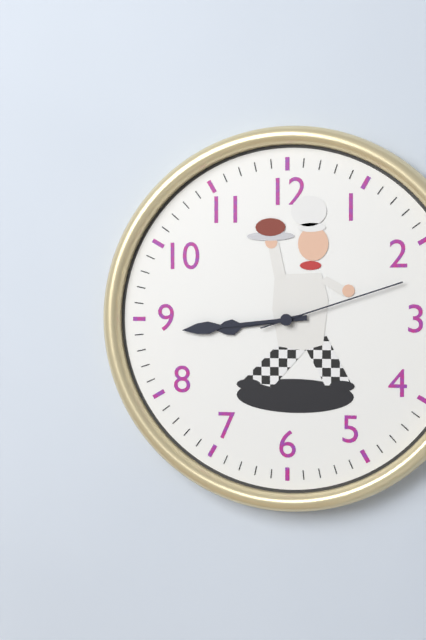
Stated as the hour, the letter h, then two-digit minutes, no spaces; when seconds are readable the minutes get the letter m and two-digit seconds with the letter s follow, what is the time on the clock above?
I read 8h44m12s
